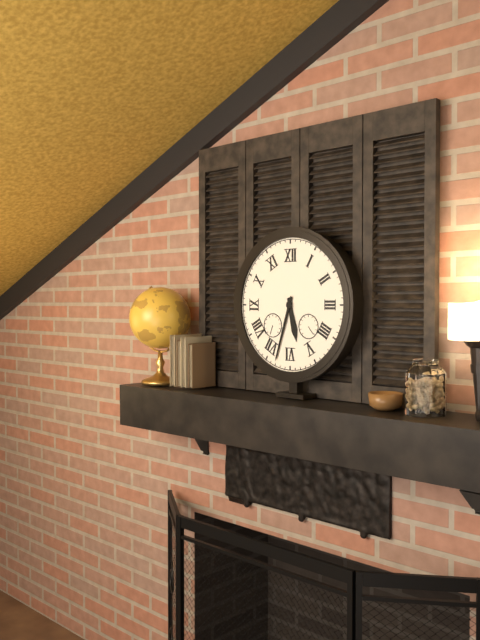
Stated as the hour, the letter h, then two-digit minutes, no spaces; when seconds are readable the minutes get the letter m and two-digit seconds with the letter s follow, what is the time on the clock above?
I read 5h33
